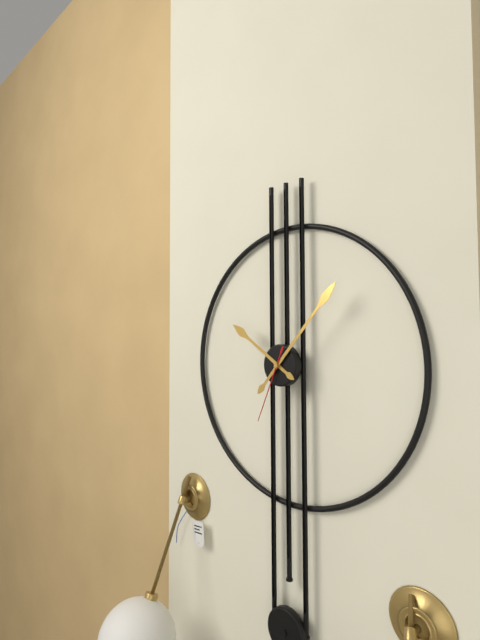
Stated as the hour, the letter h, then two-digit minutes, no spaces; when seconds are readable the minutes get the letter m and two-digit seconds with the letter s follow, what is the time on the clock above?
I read 10h07m34s
